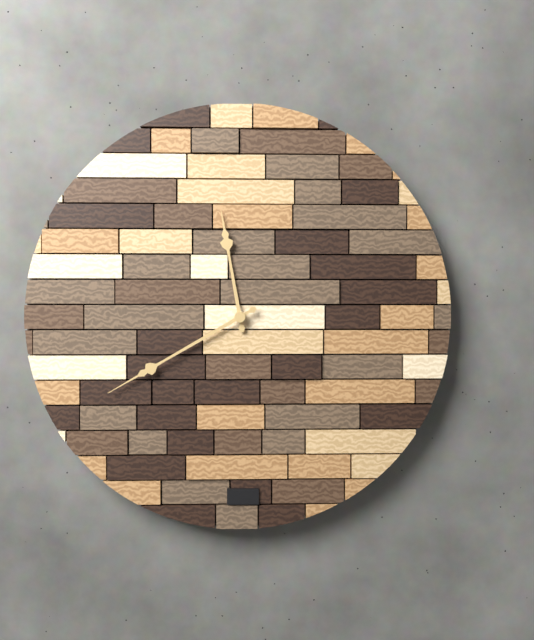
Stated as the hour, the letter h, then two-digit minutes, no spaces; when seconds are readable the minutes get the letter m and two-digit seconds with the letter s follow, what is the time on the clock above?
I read 11h40
